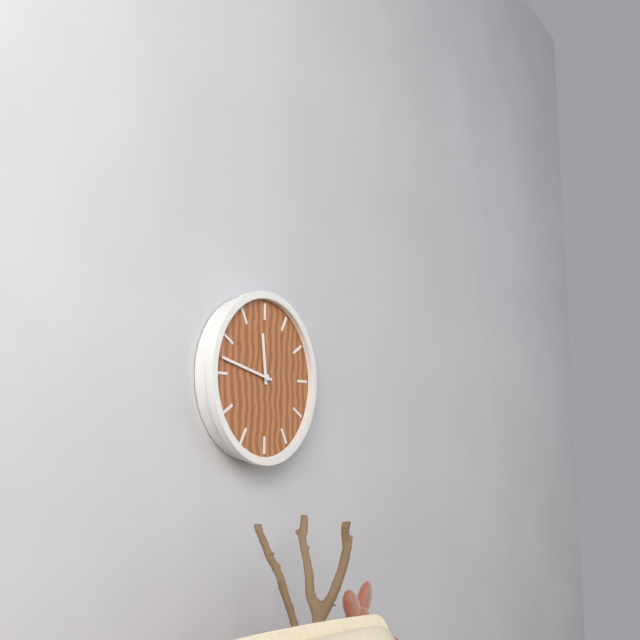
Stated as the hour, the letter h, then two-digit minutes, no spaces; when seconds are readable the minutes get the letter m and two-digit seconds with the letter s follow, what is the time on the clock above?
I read 11h47
